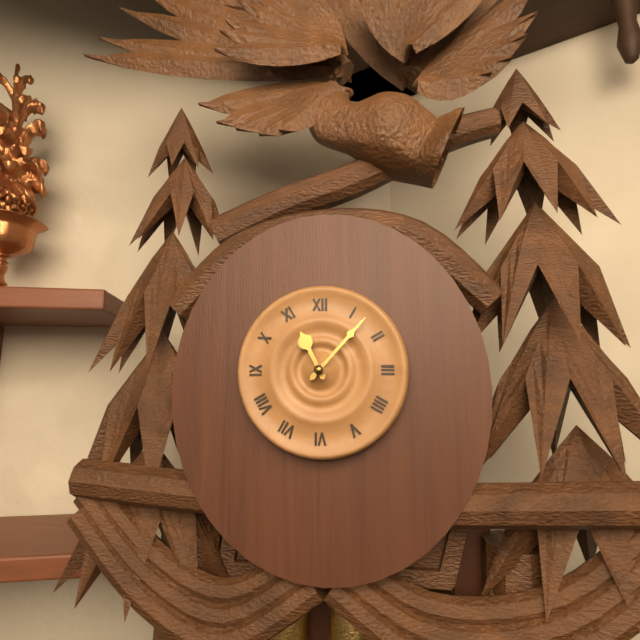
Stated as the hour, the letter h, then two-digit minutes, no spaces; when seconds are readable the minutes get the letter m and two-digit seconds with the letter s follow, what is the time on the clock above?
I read 11h07
